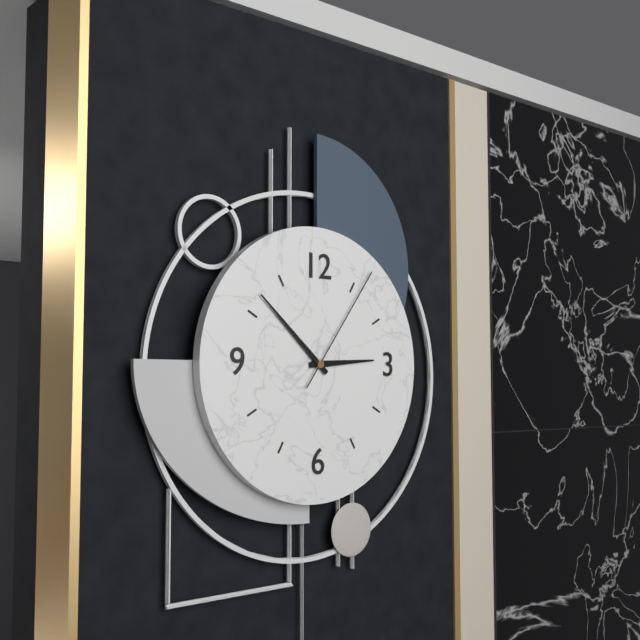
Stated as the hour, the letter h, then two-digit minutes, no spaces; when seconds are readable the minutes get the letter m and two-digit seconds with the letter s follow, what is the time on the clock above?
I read 2h52m06s
